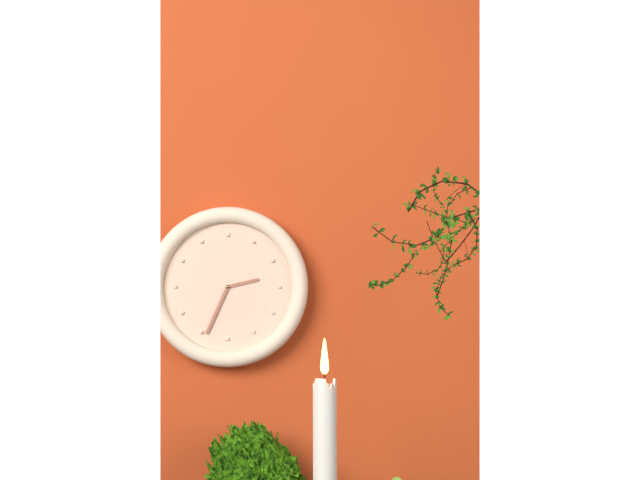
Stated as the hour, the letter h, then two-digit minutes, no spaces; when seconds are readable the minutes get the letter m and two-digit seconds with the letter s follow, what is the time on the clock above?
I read 2h34
